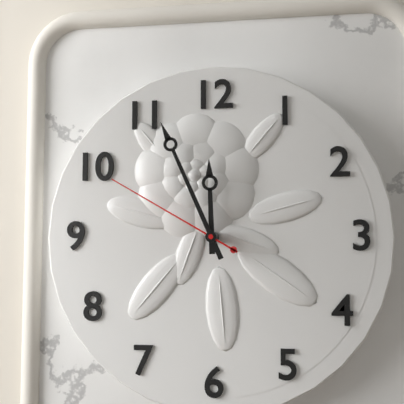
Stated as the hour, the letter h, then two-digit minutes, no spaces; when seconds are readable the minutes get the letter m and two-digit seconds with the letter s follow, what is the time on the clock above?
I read 11h56m50s
